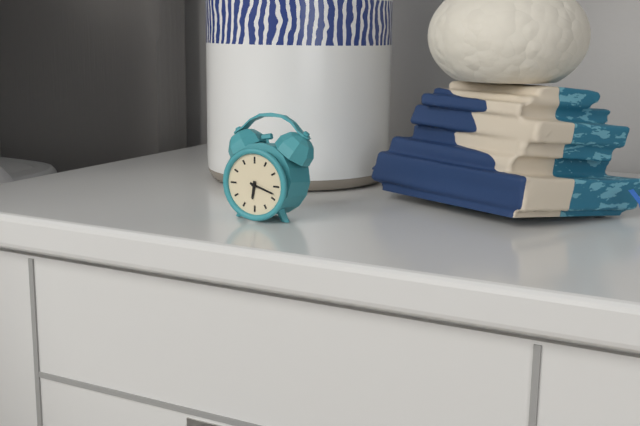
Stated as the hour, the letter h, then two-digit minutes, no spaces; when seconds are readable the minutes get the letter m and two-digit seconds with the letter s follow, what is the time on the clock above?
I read 6h18
